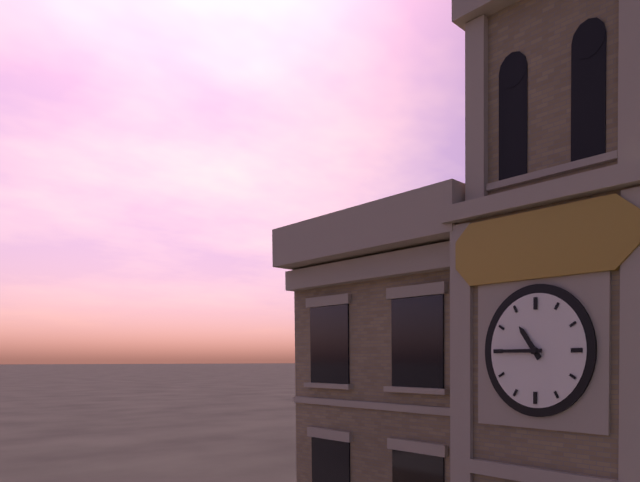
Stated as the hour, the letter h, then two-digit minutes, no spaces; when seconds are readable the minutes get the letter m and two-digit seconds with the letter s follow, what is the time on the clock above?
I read 10h45
